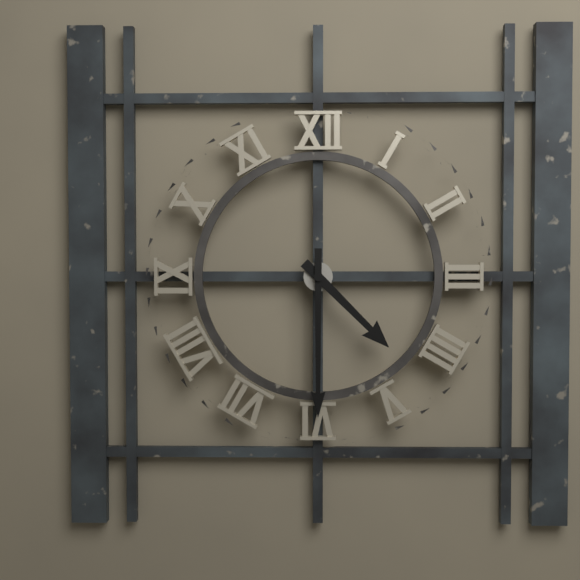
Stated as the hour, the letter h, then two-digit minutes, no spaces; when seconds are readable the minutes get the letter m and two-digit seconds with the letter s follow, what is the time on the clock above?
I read 4h30
